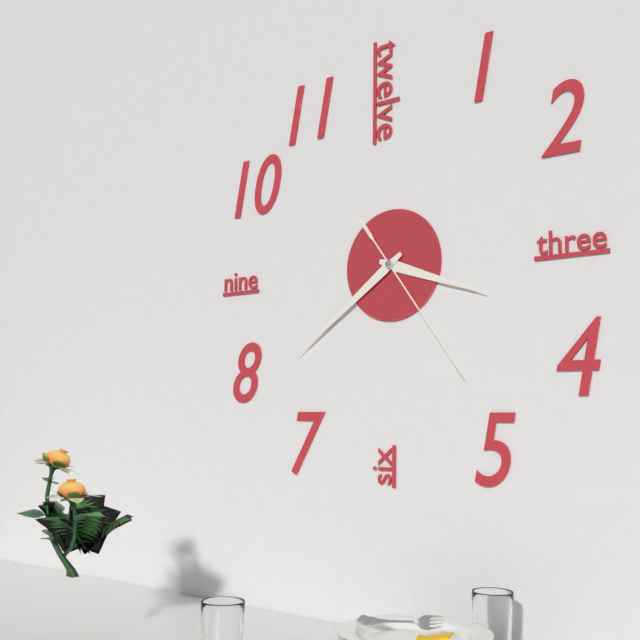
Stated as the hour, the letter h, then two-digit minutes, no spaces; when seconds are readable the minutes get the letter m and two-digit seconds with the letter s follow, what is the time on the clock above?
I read 3h39m24s
